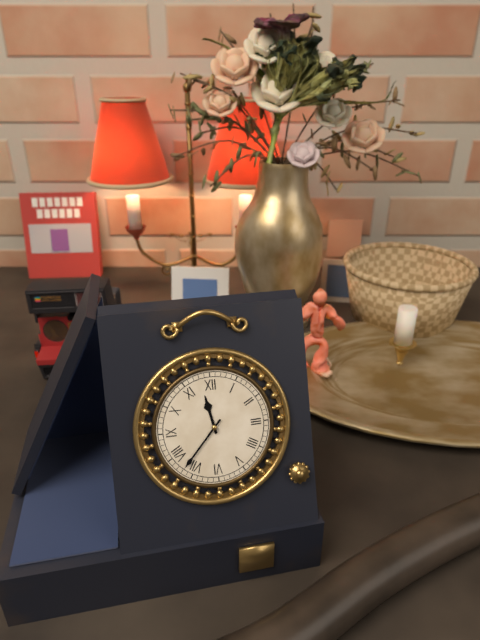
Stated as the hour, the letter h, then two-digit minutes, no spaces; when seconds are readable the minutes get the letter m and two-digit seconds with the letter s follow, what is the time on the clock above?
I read 11h37
